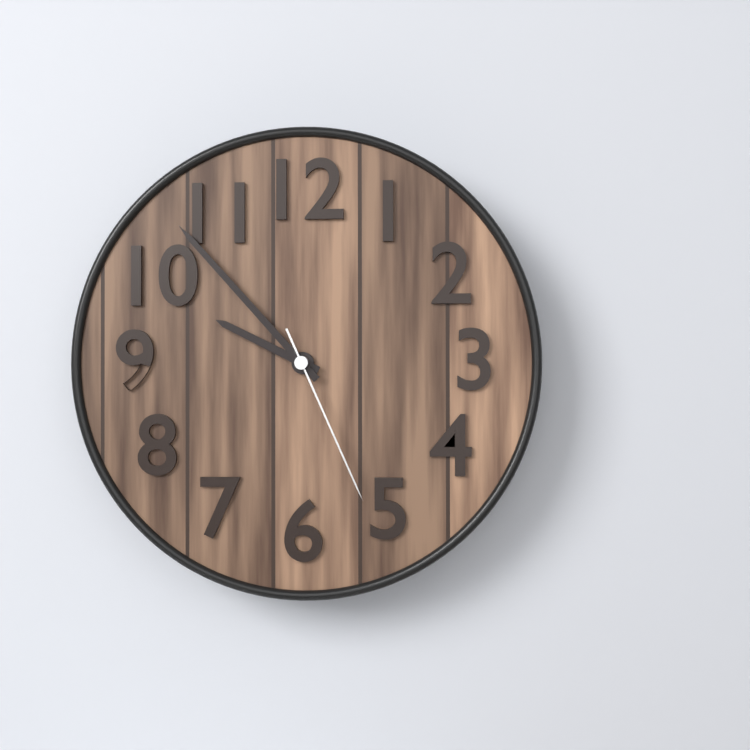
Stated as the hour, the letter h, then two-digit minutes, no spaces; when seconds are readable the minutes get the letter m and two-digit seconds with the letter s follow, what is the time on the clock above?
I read 9h53m26s
